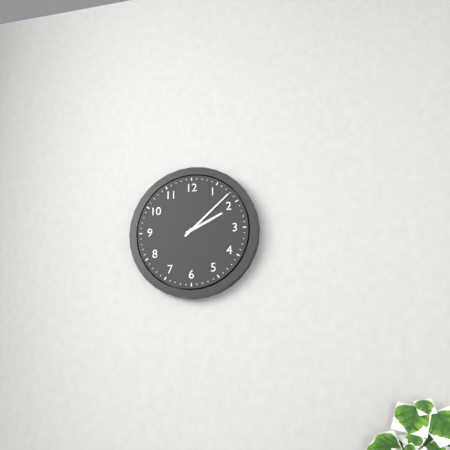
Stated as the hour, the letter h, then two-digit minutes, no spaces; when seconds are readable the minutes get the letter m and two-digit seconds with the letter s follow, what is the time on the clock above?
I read 2h08
